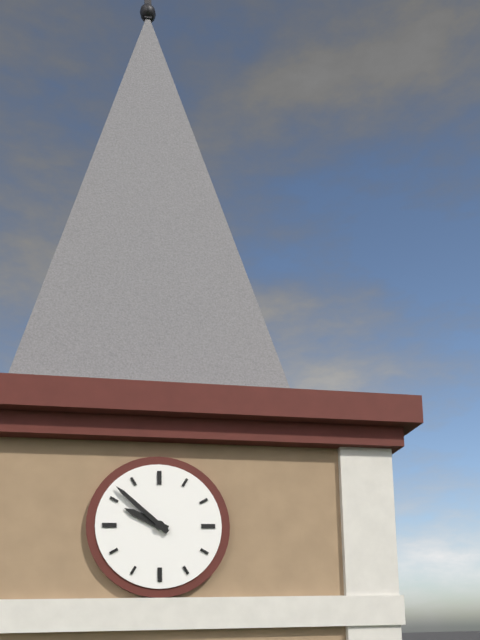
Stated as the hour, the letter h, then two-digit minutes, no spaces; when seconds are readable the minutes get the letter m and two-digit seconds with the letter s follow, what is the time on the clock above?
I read 9h52
